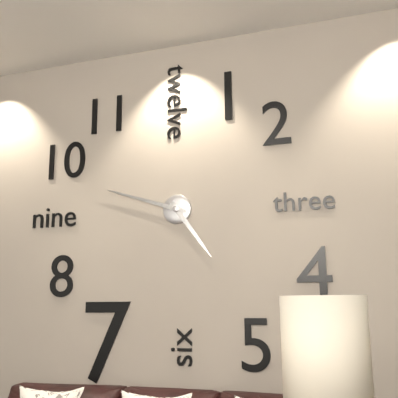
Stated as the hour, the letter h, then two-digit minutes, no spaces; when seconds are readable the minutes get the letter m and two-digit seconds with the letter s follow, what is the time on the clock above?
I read 4h48
